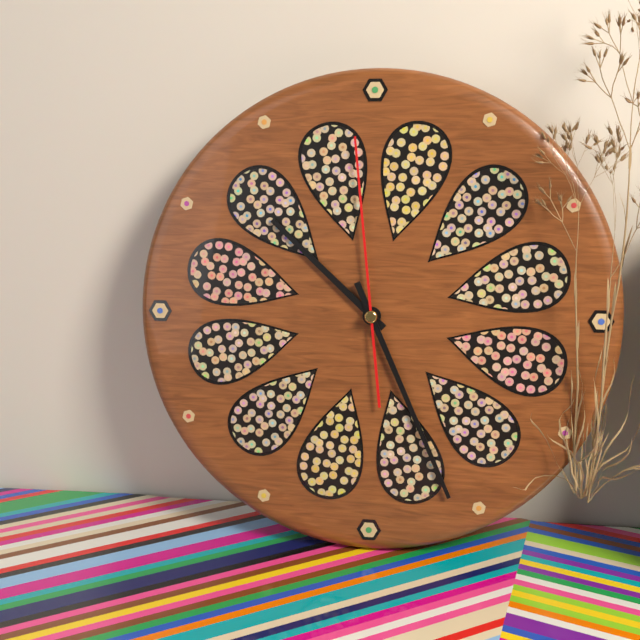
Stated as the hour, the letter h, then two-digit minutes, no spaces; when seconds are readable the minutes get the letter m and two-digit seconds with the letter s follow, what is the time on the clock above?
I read 10h26m59s
